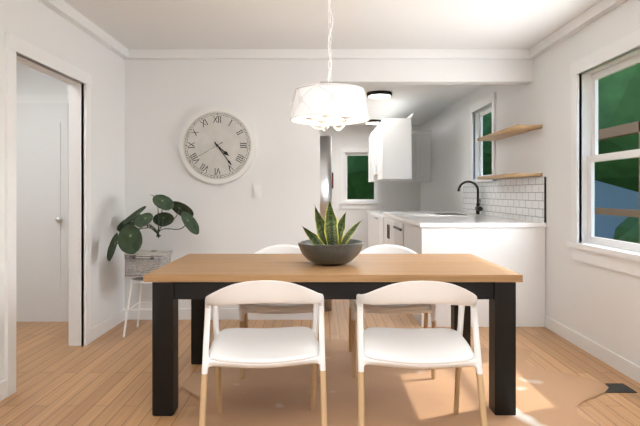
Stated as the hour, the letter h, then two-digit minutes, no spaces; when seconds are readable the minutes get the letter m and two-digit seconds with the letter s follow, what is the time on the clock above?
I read 4h24
